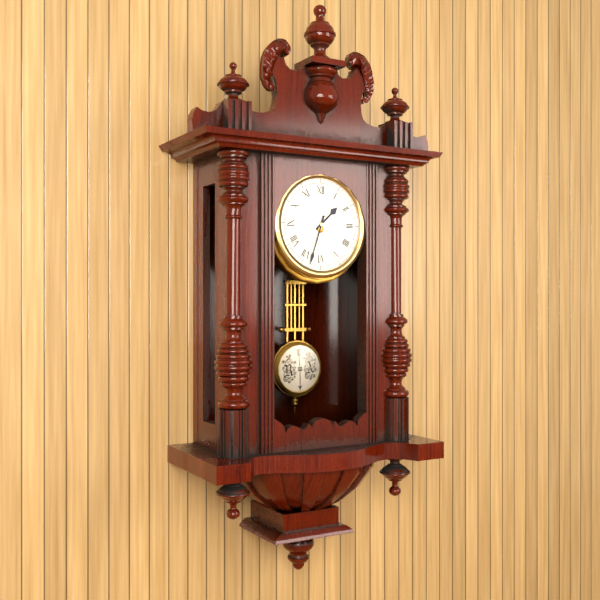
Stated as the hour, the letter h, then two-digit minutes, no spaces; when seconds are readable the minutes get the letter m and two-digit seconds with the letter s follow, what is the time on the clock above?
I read 1h33
